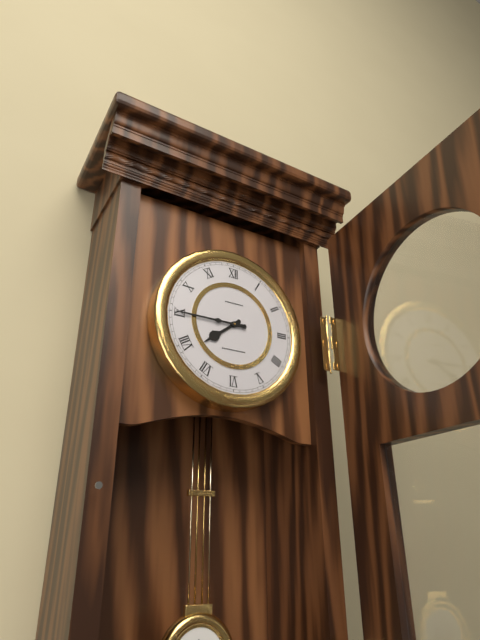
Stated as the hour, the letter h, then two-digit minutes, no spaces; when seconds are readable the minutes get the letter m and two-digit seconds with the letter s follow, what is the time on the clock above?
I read 7h45
